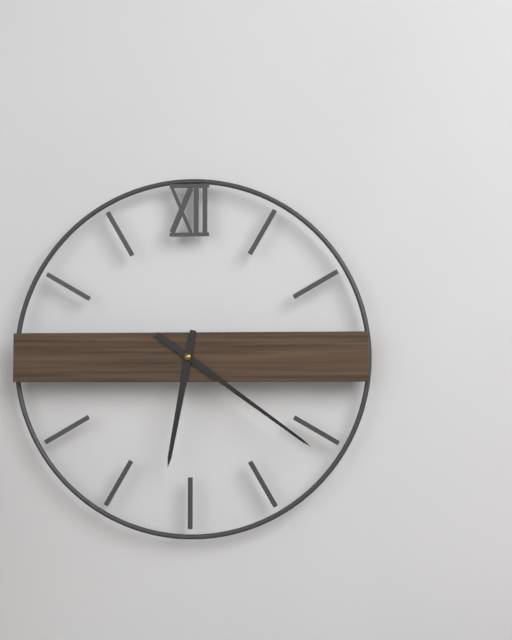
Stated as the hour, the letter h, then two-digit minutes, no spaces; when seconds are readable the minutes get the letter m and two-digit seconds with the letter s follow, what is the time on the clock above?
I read 6h21
